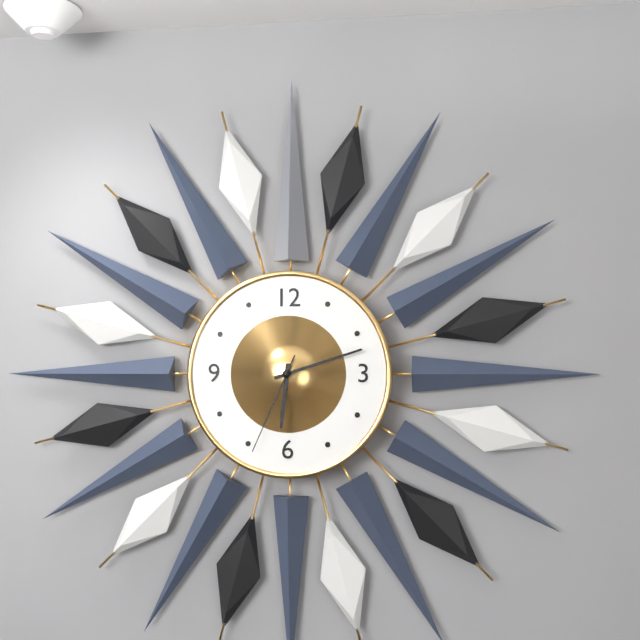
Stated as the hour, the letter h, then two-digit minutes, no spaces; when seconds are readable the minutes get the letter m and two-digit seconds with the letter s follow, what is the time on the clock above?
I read 6h12m34s
